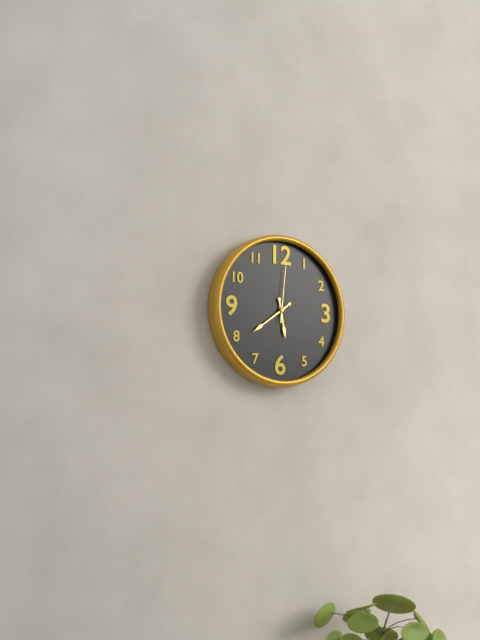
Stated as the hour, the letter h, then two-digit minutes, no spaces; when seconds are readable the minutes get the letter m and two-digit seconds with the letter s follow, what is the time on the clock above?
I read 5h39m01s
